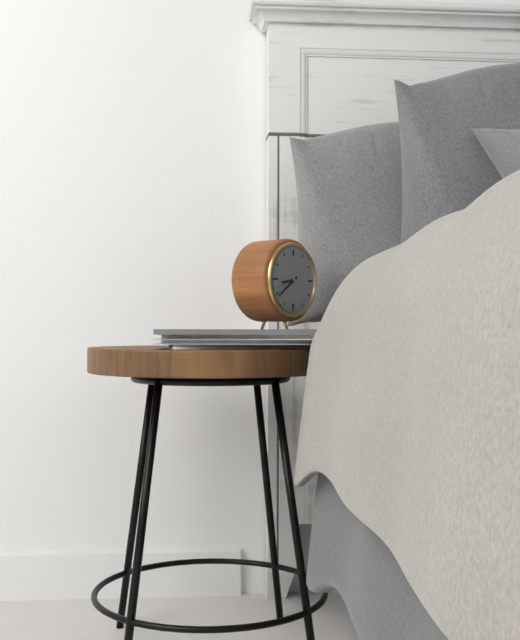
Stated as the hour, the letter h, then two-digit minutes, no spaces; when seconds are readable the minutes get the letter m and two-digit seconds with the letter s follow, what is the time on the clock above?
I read 8h39
